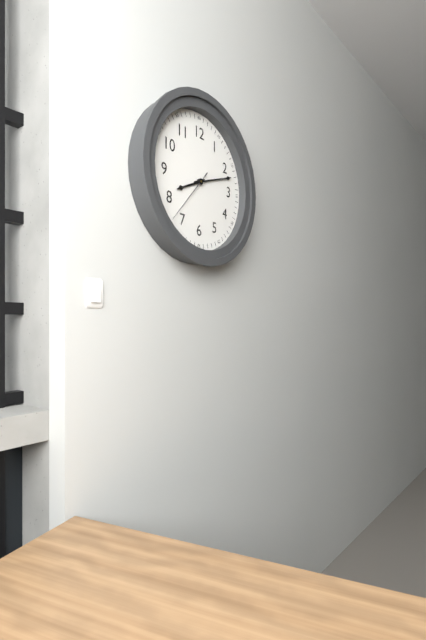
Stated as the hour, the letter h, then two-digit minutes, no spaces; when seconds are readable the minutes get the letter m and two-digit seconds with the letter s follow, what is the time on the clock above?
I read 8h12m37s
